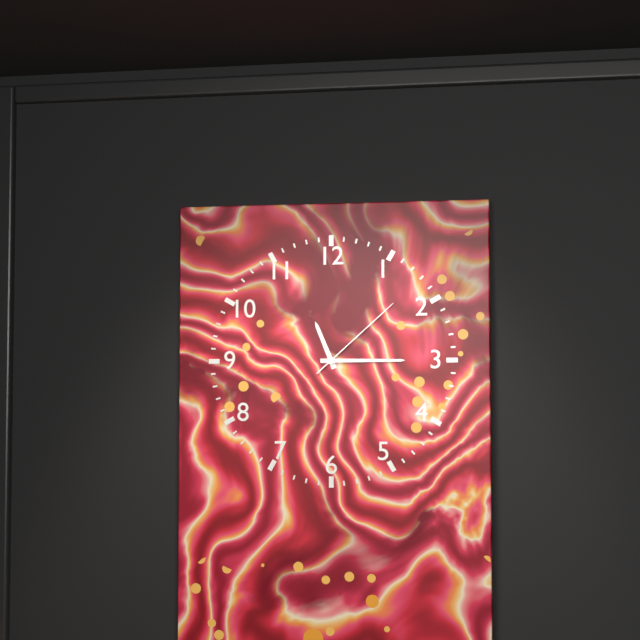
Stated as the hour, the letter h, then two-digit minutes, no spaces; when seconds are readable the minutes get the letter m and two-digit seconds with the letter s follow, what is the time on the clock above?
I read 11h15m08s
